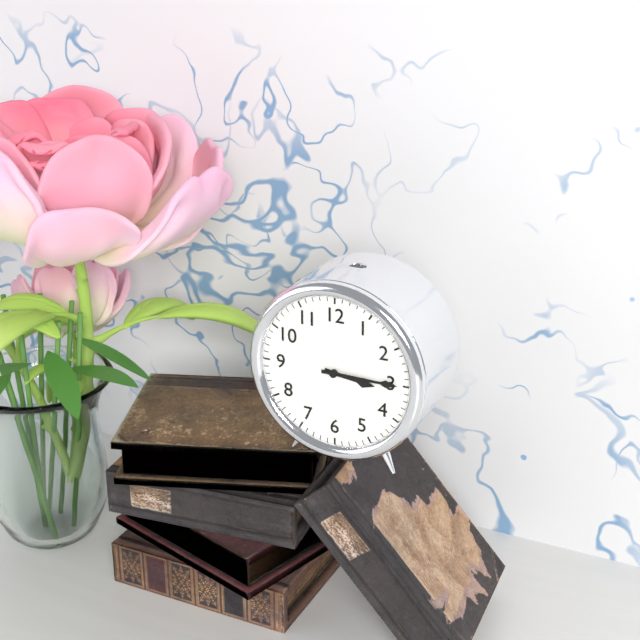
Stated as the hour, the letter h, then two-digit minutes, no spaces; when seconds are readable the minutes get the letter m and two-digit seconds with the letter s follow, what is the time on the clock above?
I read 3h15
